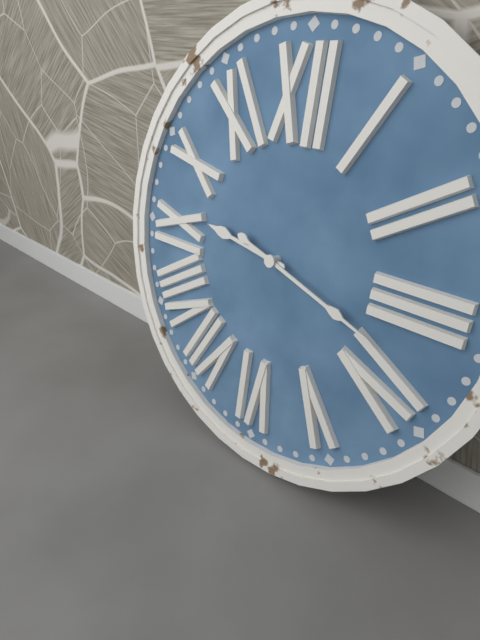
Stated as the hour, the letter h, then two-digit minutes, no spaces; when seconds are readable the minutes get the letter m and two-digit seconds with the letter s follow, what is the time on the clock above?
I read 9h18
